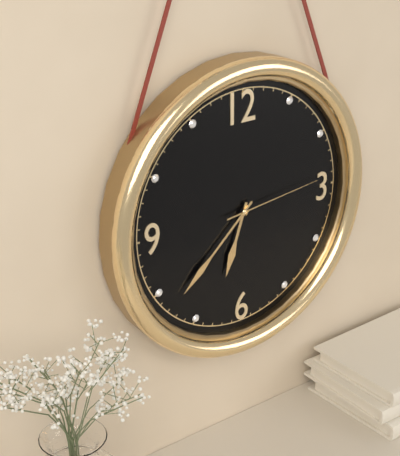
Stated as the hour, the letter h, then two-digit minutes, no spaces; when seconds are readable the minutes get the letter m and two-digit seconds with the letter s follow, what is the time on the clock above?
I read 6h38m14s
